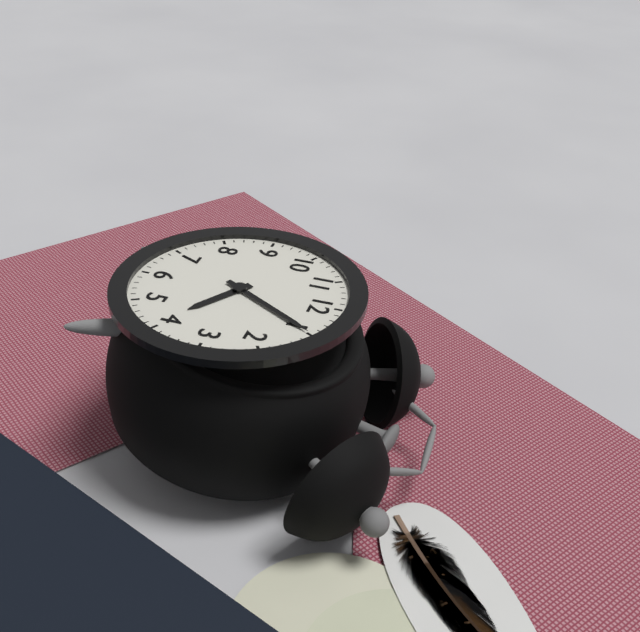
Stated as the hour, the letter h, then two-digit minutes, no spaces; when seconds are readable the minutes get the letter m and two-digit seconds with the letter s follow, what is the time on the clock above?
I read 4h05
